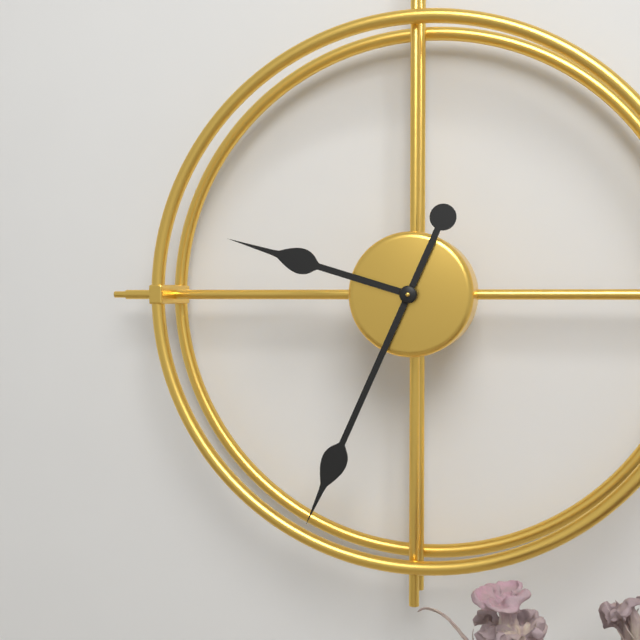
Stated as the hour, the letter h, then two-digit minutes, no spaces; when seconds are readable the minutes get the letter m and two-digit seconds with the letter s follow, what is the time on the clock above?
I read 9h34
